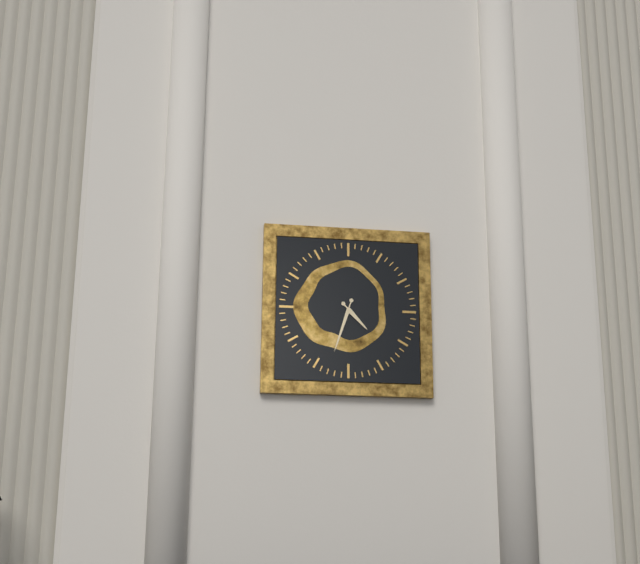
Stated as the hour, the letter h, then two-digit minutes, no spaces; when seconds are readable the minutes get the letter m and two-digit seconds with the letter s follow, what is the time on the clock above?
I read 4h33
